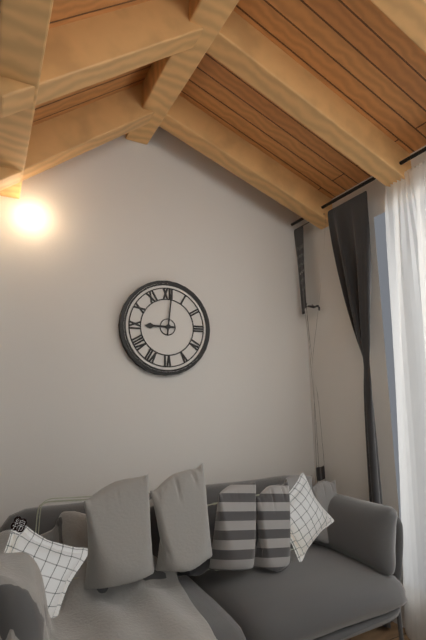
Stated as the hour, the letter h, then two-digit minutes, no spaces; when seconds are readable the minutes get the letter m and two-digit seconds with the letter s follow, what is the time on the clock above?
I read 9h01
